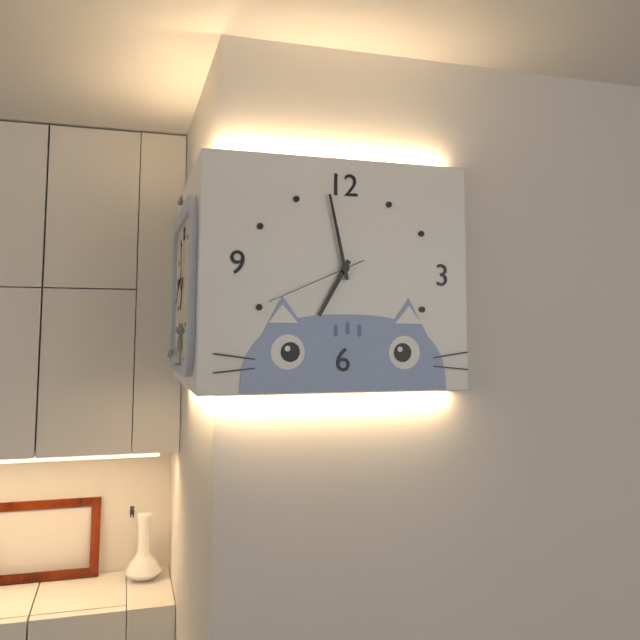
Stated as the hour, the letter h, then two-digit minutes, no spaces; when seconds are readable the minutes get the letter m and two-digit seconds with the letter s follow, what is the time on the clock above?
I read 6h58m41s
